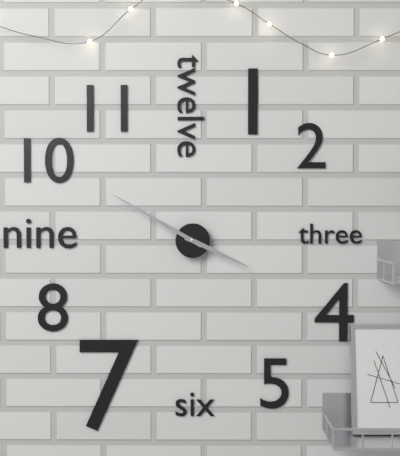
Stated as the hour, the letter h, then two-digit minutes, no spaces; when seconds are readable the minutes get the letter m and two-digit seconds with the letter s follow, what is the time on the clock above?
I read 3h50
